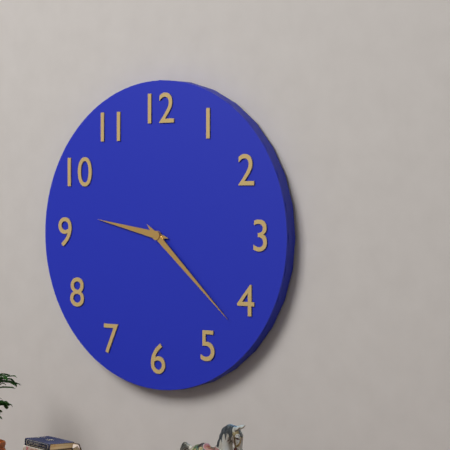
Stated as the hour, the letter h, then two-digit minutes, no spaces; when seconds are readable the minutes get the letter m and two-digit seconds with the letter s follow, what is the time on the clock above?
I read 9h22
